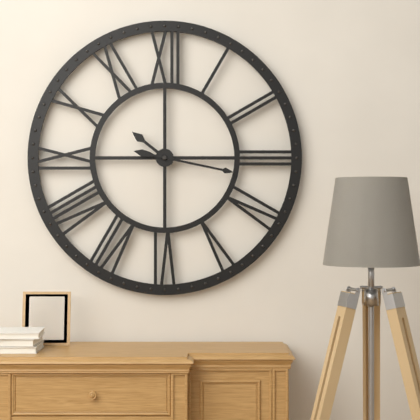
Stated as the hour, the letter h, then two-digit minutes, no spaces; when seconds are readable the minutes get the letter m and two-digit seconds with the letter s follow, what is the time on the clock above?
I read 10h17
